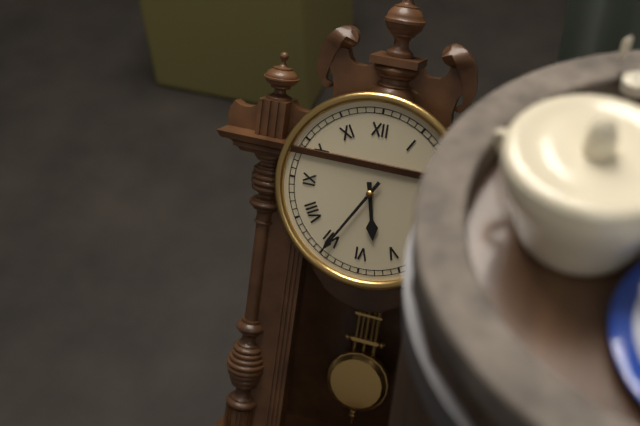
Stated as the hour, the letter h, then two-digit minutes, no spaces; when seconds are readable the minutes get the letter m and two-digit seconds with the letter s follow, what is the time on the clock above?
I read 5h35
